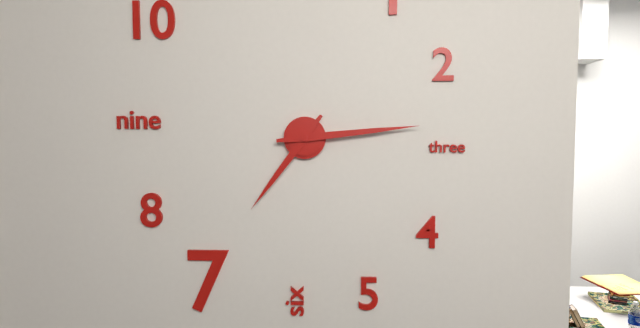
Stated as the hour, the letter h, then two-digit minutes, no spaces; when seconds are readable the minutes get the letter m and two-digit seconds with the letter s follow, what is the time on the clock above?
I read 7h14
